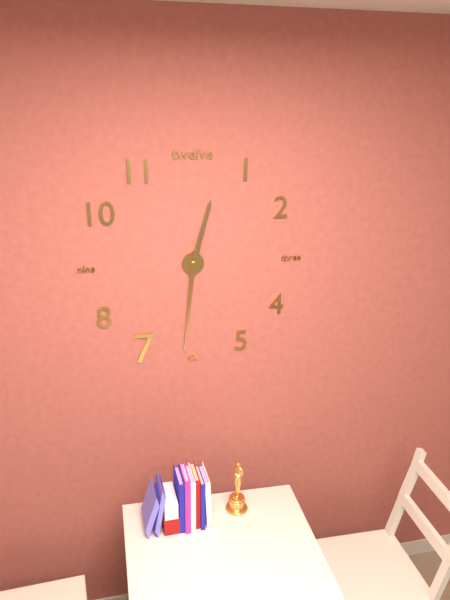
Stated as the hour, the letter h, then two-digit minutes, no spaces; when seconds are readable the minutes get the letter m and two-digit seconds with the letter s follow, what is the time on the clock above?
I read 12h31
